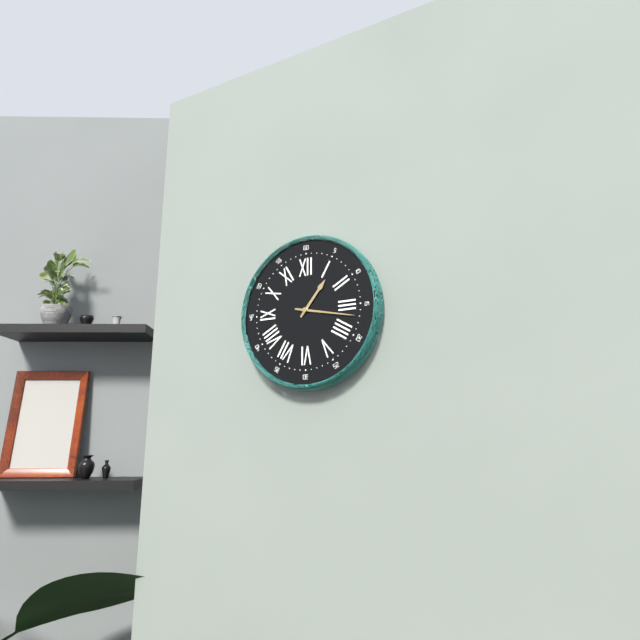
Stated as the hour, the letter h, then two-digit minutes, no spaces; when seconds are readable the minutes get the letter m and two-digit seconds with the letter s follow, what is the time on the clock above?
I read 1h17
